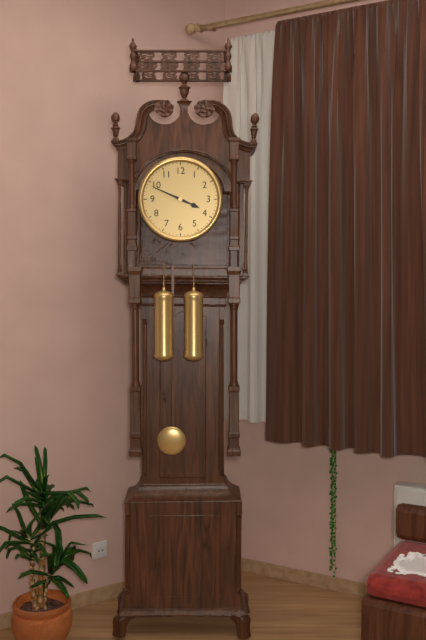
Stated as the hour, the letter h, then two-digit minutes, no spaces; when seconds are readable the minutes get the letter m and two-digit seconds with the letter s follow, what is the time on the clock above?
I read 3h49
